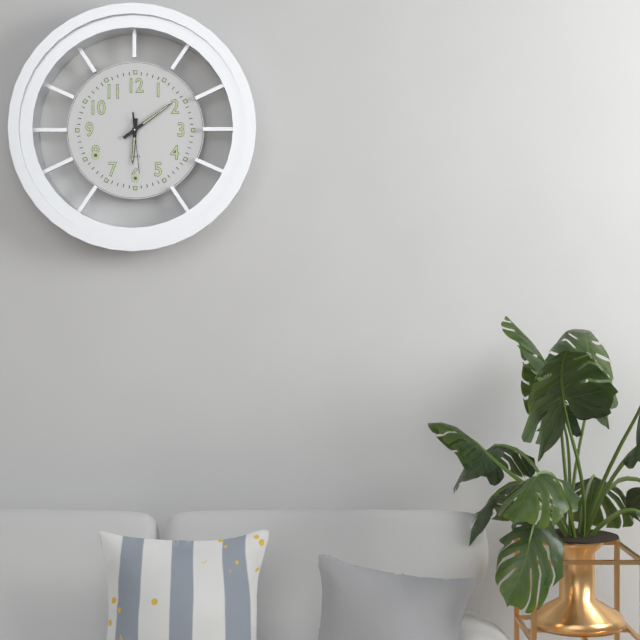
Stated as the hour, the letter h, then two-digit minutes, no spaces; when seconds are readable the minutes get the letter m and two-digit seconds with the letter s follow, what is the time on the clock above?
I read 6h09m29s
